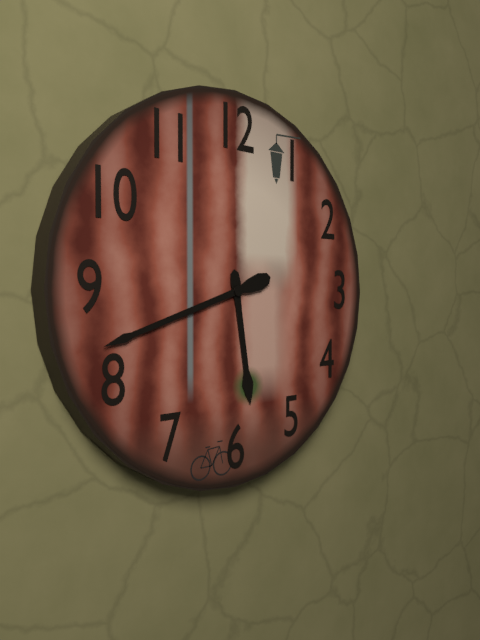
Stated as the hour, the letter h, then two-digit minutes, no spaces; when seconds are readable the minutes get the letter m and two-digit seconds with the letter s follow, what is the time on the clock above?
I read 5h42
